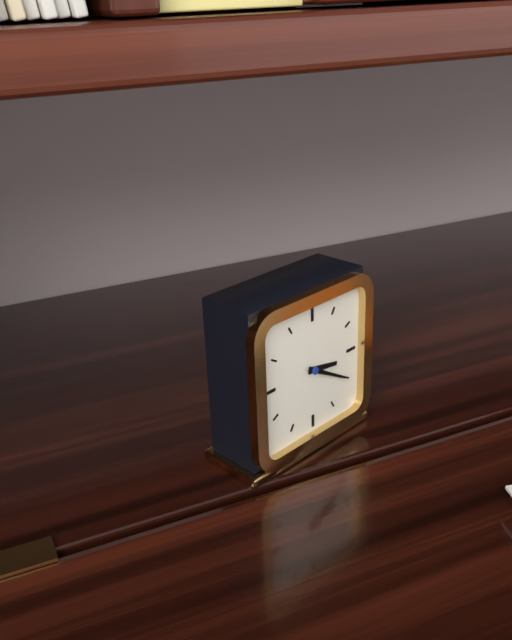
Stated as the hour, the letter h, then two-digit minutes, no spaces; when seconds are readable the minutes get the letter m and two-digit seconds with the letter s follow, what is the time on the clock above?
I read 3h20
